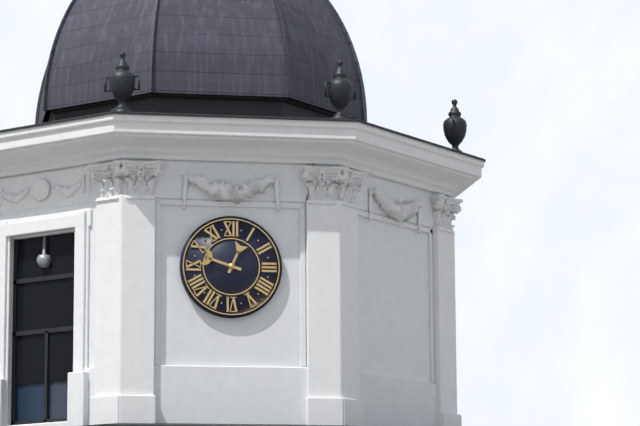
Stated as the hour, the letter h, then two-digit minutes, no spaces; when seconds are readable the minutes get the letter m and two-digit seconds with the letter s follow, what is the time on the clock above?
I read 12h48
